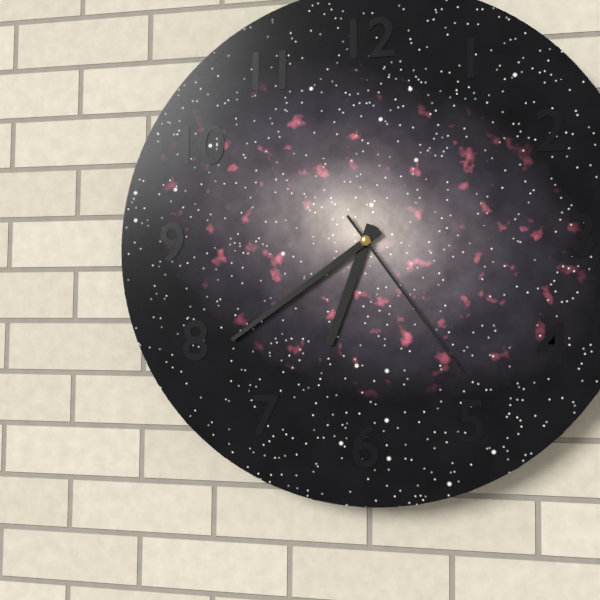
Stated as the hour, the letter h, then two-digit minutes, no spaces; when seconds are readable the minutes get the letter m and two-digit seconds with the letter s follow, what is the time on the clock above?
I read 6h39m24s
